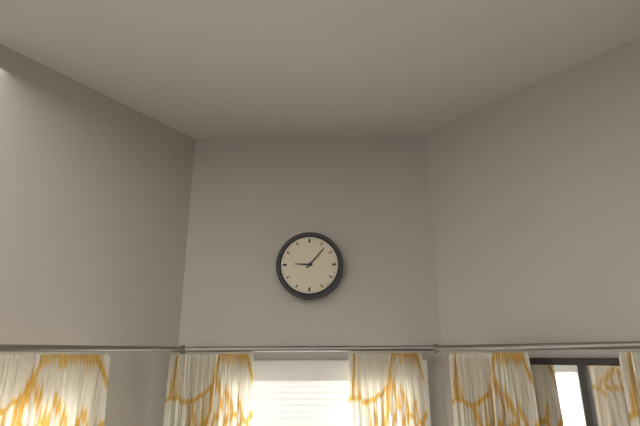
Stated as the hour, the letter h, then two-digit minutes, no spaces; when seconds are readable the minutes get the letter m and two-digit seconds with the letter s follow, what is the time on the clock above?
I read 9h07
